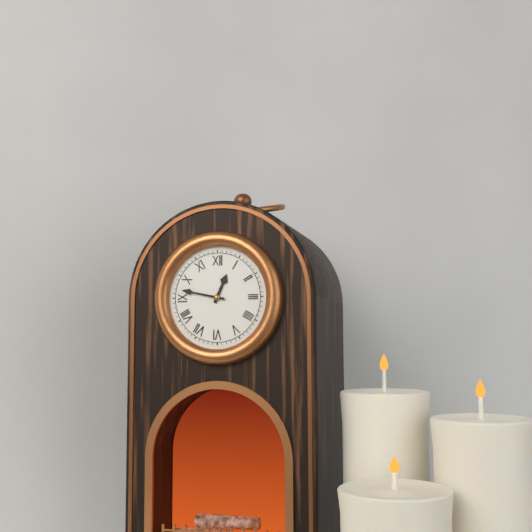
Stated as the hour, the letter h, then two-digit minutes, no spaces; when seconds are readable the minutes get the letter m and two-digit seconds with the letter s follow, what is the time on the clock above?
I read 12h47
